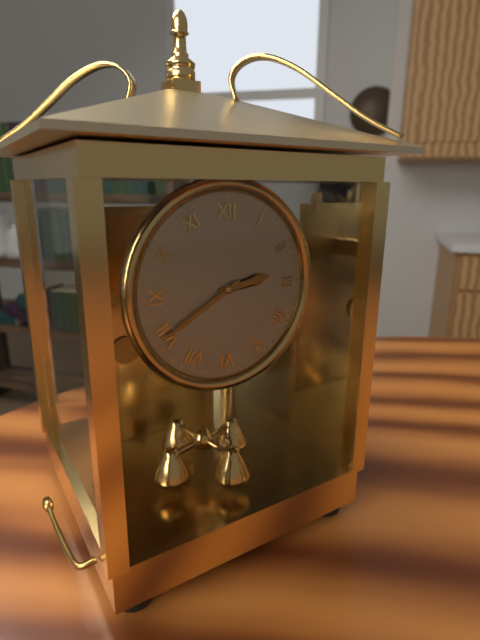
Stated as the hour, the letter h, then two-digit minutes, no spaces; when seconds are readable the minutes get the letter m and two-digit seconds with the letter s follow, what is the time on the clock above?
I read 2h40
